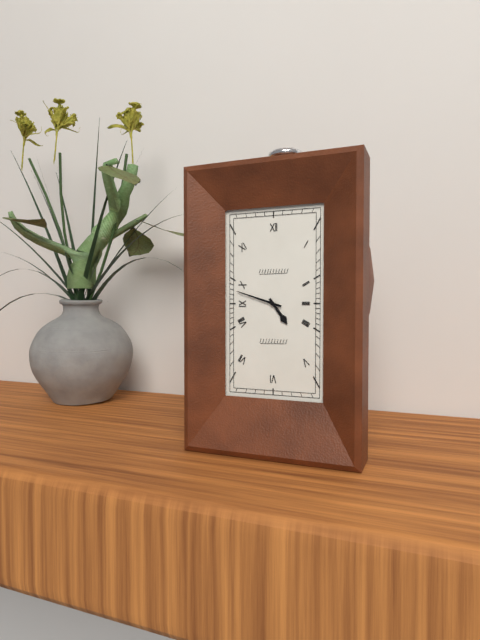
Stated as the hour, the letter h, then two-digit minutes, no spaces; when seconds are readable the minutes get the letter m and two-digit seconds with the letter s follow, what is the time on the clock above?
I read 4h48
